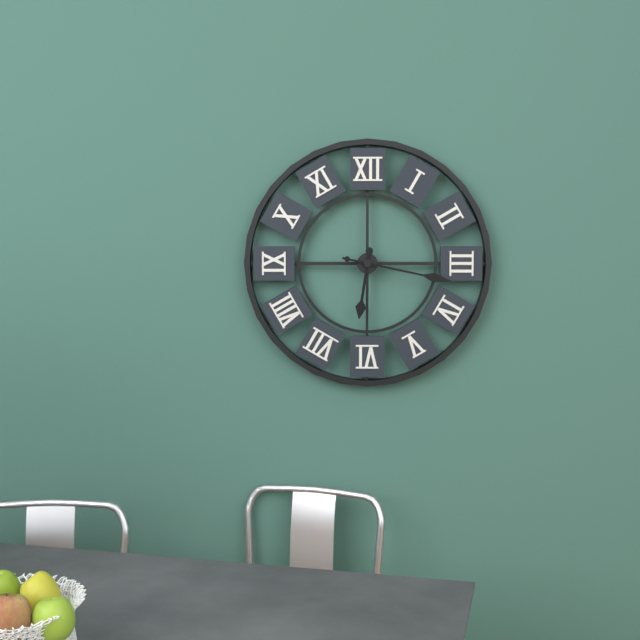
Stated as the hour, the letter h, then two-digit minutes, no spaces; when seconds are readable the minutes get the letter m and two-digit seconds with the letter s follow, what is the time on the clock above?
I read 6h17
